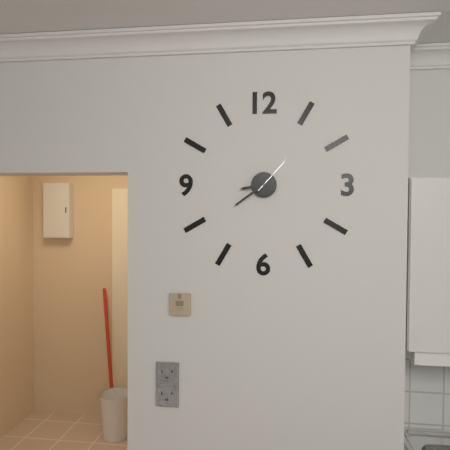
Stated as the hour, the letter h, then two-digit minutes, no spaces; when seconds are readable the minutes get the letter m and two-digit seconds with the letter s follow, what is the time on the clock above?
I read 8h39
